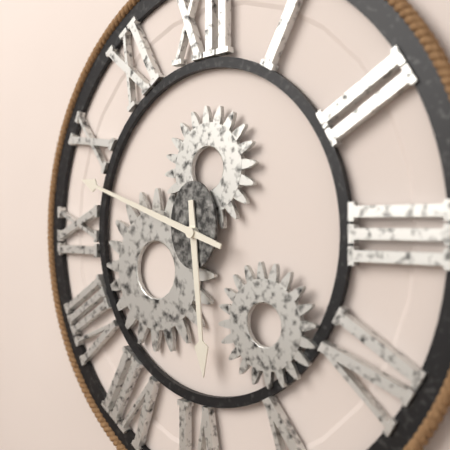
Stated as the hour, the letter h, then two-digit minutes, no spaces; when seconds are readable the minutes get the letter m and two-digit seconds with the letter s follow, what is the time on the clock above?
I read 5h48
